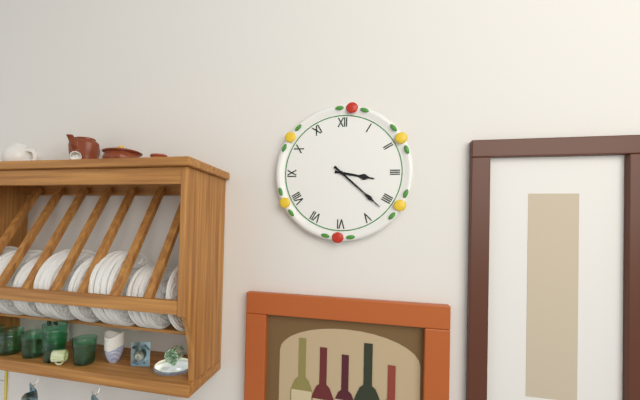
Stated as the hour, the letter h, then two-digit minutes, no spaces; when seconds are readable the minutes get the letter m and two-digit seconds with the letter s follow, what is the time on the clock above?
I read 3h22
